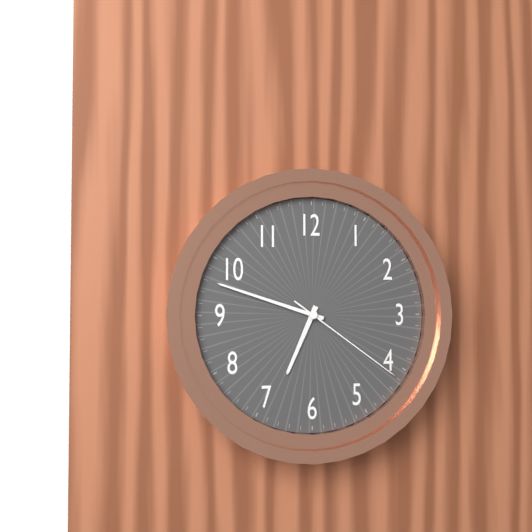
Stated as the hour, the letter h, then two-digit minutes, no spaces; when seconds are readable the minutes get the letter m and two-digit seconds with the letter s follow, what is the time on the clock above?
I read 6h48m21s
